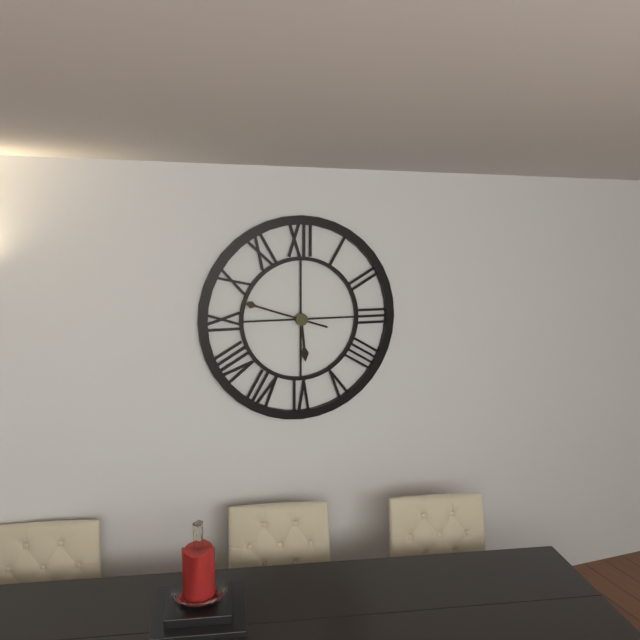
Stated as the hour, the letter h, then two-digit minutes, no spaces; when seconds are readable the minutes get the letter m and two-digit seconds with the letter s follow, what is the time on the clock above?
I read 5h48
